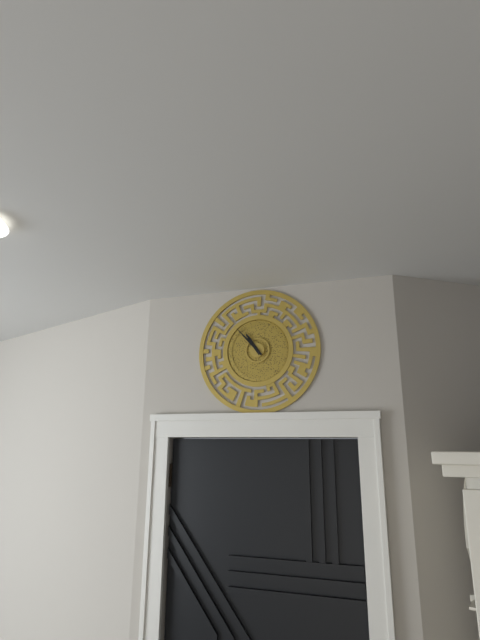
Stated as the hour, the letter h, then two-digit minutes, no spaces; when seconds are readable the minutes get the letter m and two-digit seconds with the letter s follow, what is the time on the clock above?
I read 10h53
